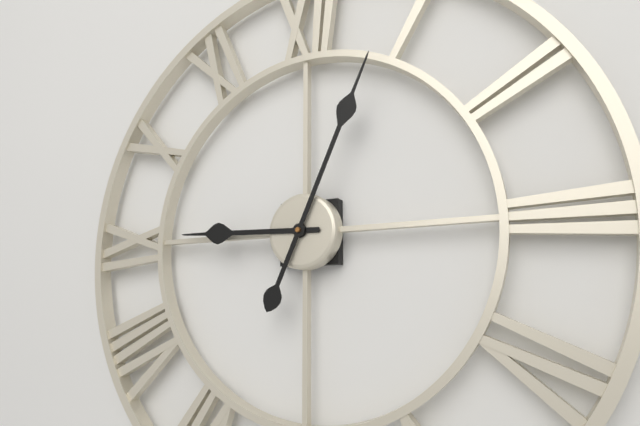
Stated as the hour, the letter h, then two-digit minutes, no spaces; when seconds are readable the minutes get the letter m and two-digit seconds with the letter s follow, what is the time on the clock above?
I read 9h04
